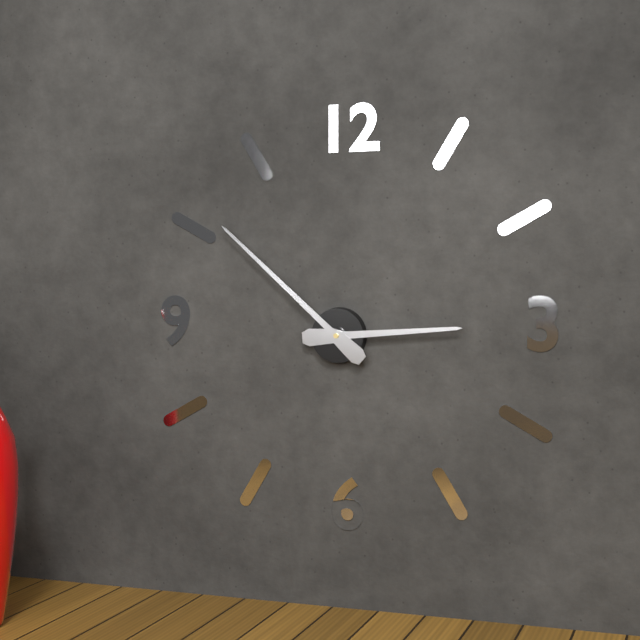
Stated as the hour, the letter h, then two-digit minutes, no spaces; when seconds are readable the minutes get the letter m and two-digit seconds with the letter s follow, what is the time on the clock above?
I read 2h52
